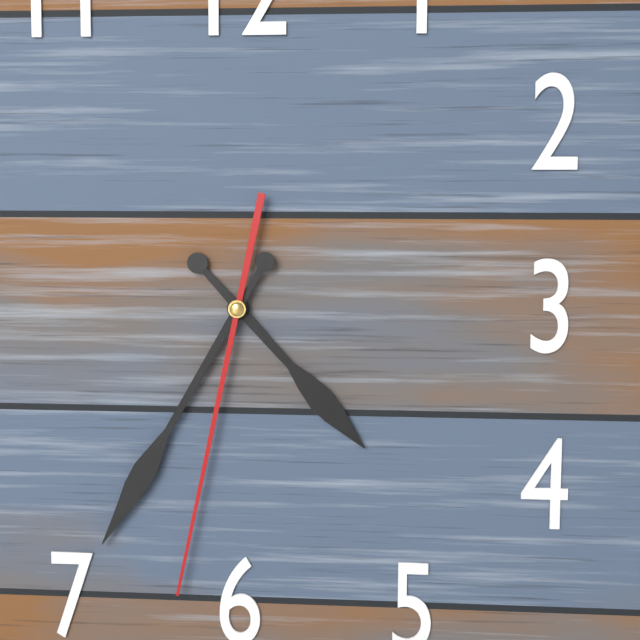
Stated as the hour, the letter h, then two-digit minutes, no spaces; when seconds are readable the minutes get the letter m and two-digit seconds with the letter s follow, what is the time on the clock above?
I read 4h35m32s
